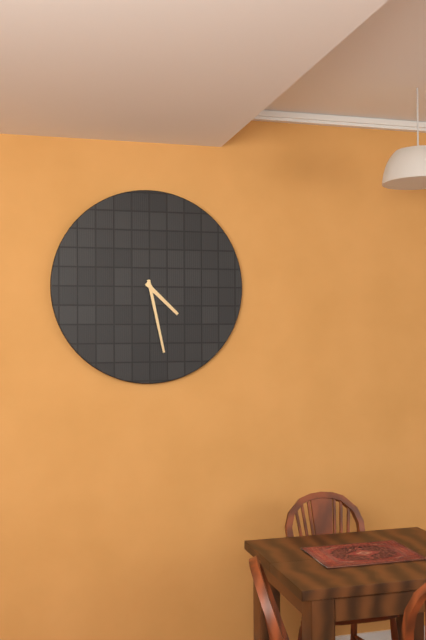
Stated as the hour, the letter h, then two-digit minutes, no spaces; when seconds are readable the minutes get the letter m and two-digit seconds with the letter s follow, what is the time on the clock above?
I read 4h28
